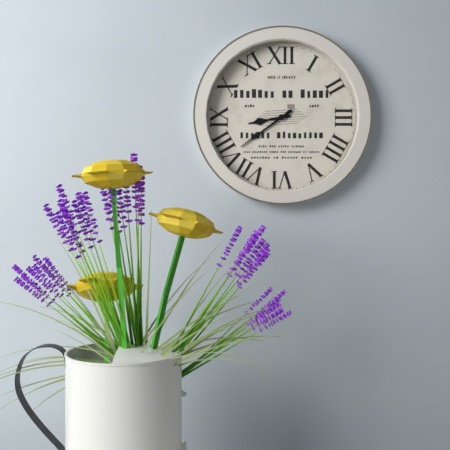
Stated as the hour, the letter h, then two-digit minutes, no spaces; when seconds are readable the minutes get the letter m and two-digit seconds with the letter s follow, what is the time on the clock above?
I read 8h39
